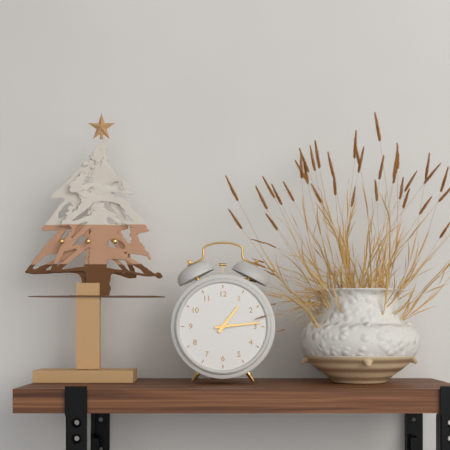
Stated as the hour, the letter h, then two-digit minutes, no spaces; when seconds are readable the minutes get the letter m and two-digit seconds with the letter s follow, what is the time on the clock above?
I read 1h14
